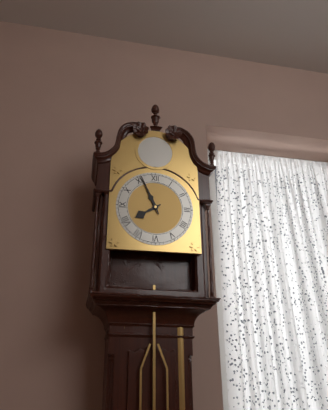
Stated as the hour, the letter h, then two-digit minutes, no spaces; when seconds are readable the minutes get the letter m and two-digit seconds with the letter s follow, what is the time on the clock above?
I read 7h56
